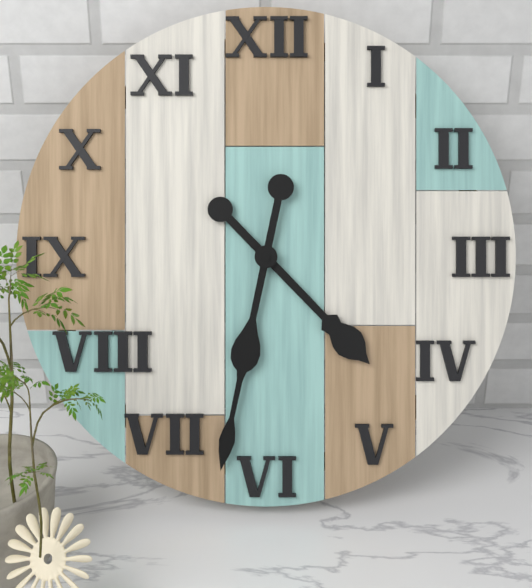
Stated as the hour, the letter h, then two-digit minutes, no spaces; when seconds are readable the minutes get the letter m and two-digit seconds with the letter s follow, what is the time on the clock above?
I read 4h32
